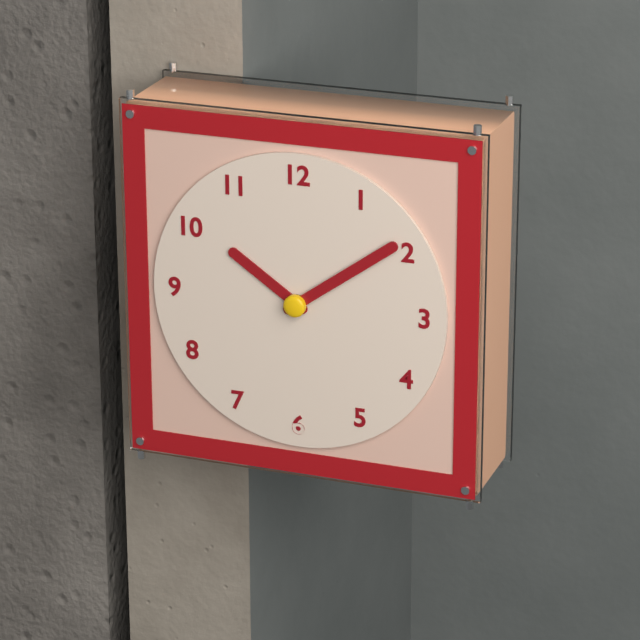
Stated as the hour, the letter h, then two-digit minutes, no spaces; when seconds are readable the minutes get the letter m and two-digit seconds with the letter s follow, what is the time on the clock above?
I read 10h09
